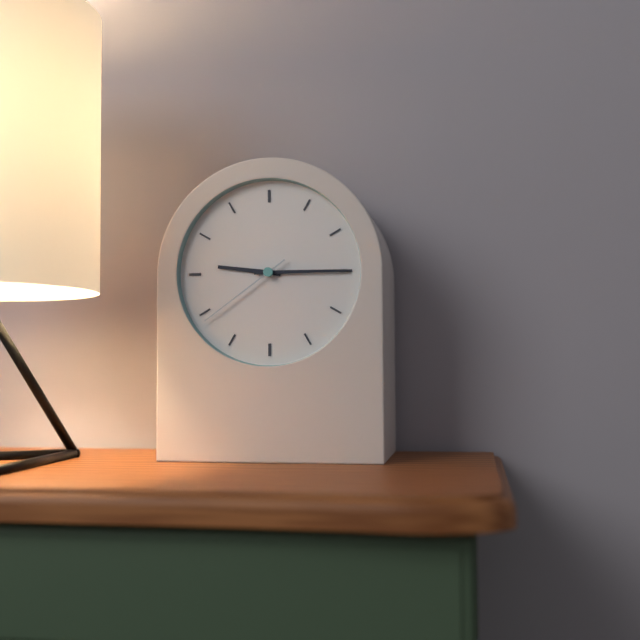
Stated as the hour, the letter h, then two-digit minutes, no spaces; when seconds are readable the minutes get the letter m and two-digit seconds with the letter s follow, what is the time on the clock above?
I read 9h15m39s
